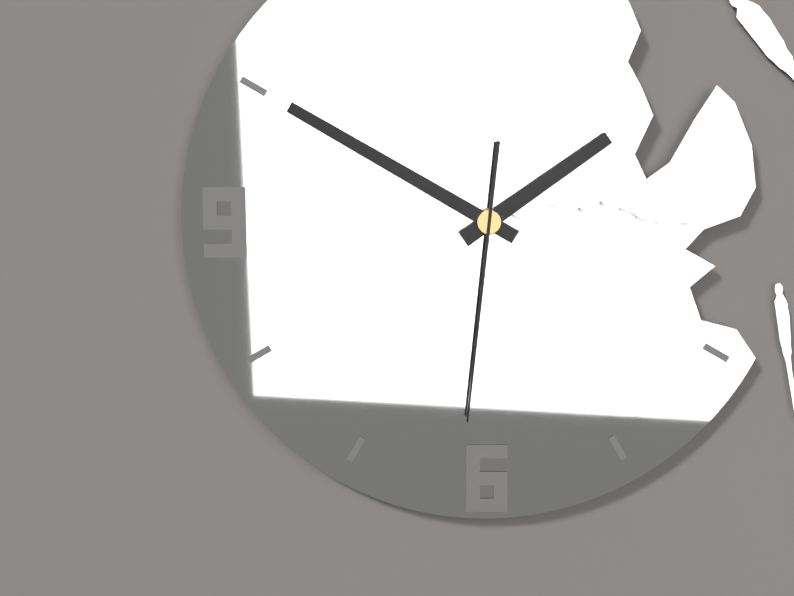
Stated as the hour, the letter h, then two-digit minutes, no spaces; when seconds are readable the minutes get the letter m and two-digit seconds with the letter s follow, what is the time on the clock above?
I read 1h50m31s
